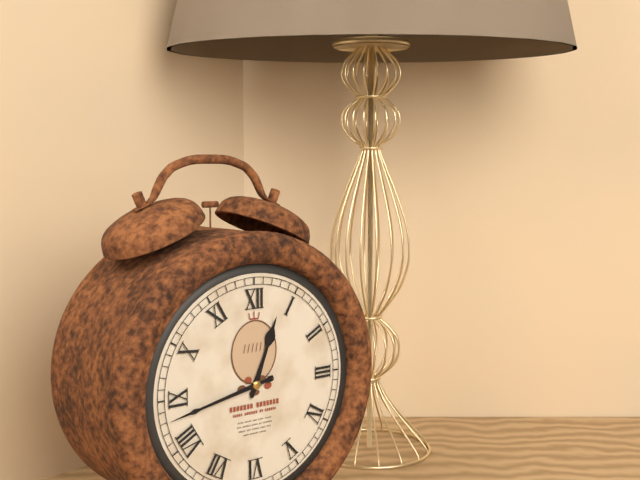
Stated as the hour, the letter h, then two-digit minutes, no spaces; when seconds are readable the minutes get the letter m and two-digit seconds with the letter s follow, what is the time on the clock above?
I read 12h43
